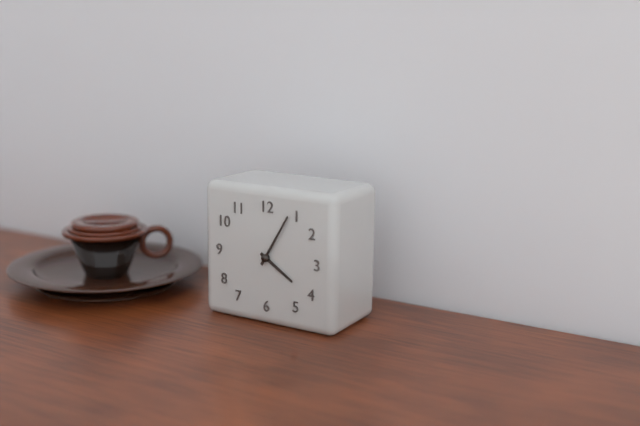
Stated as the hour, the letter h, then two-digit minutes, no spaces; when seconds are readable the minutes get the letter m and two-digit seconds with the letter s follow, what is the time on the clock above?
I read 4h05
